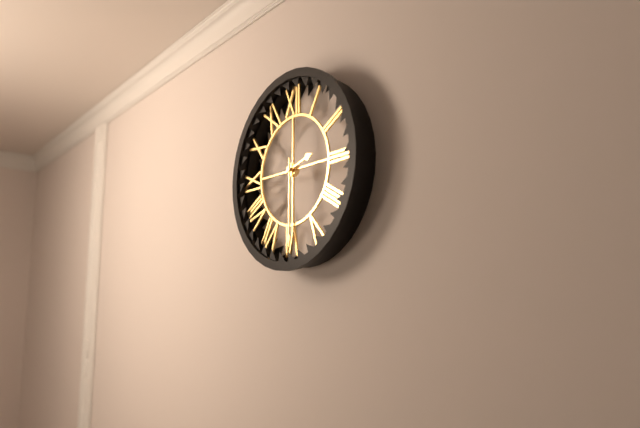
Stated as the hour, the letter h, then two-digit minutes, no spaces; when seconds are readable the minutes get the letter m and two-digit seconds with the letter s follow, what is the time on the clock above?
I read 2h30
